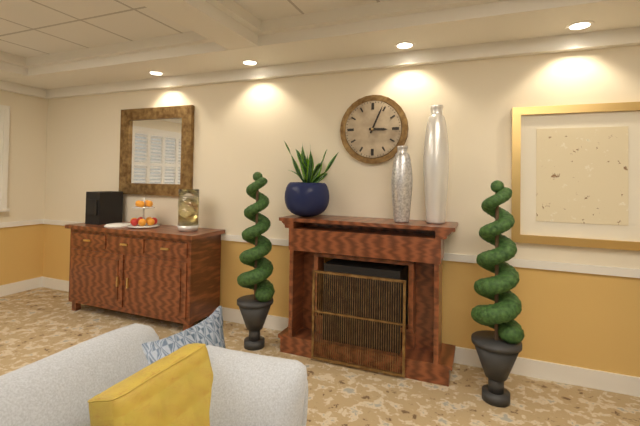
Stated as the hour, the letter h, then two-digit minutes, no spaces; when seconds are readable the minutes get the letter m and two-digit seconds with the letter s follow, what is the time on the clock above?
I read 3h04
